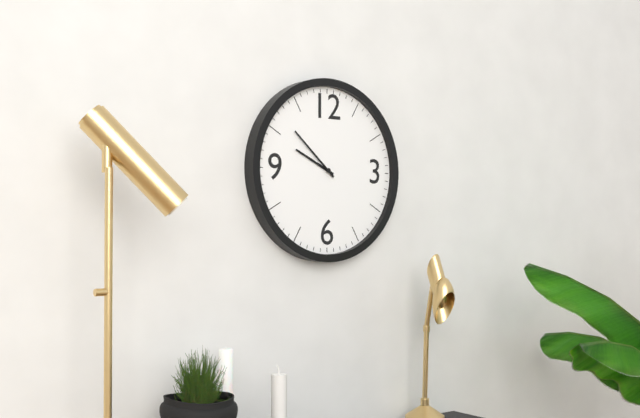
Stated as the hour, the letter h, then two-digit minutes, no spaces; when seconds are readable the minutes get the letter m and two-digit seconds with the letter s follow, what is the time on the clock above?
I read 9h52
